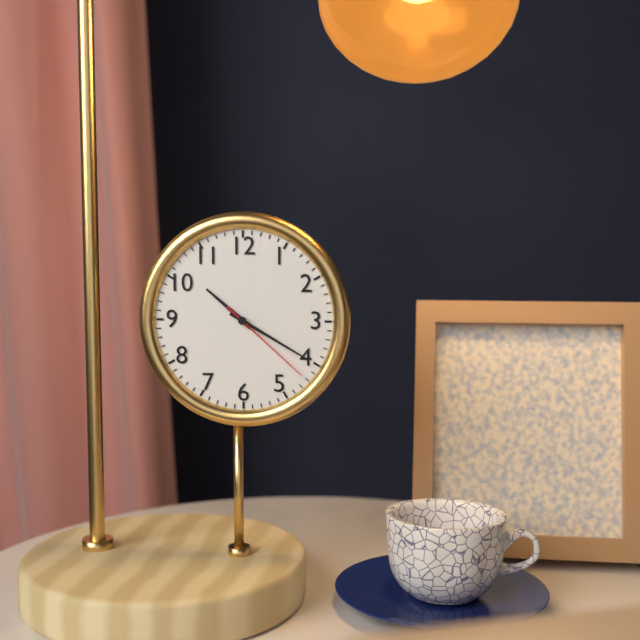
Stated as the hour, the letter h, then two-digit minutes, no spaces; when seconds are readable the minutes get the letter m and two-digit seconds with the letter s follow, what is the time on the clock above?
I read 10h20m22s
